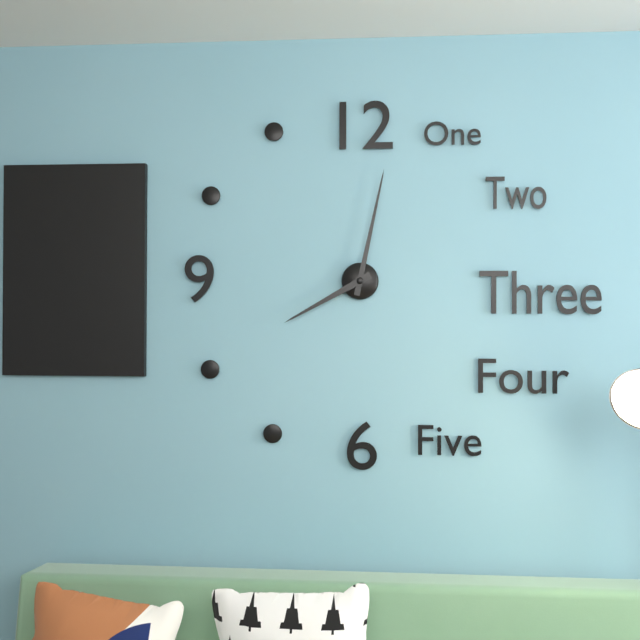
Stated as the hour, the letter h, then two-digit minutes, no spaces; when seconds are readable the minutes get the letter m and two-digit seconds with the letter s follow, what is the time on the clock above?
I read 8h02
